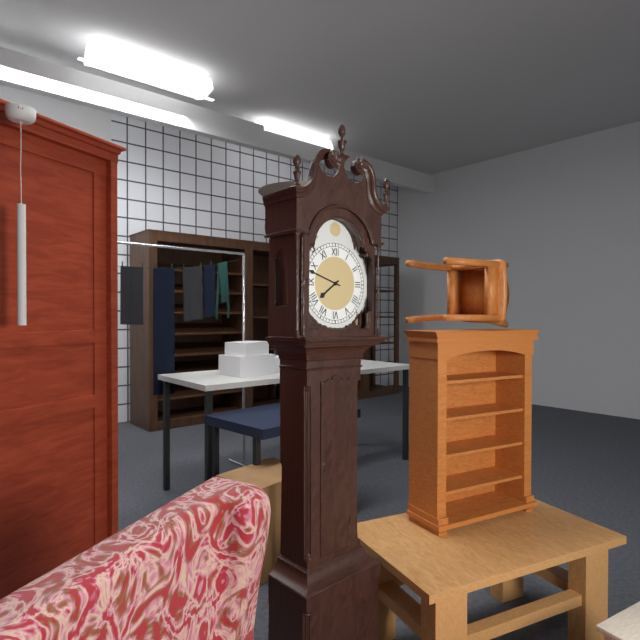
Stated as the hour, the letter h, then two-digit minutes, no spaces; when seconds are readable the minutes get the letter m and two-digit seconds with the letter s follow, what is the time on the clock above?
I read 7h48
